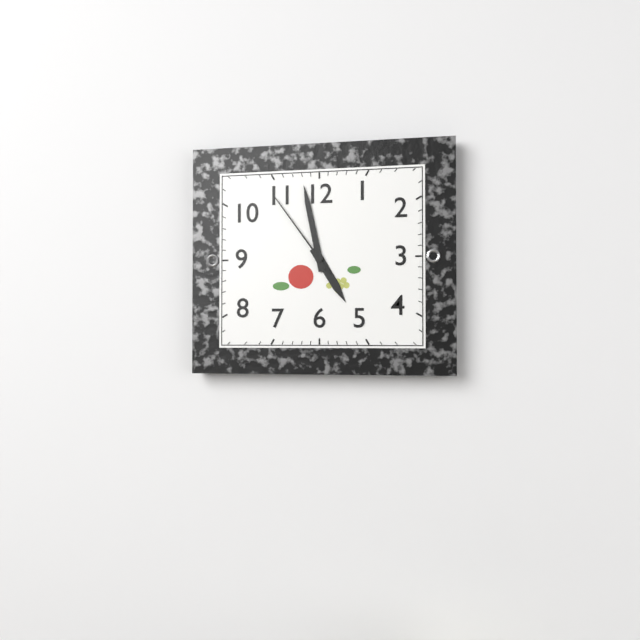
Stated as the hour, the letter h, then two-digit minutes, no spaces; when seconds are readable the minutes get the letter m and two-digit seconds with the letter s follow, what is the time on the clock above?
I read 4h58m54s
